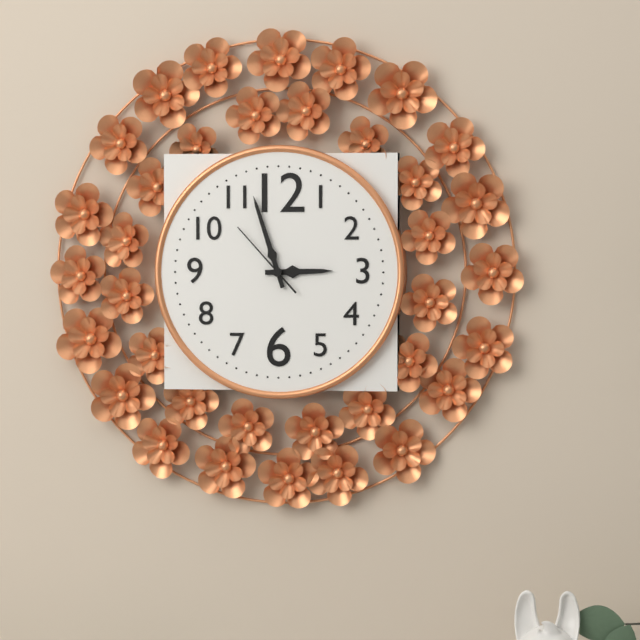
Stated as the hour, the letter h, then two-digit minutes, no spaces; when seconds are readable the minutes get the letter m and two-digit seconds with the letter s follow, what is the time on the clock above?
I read 2h57m53s
